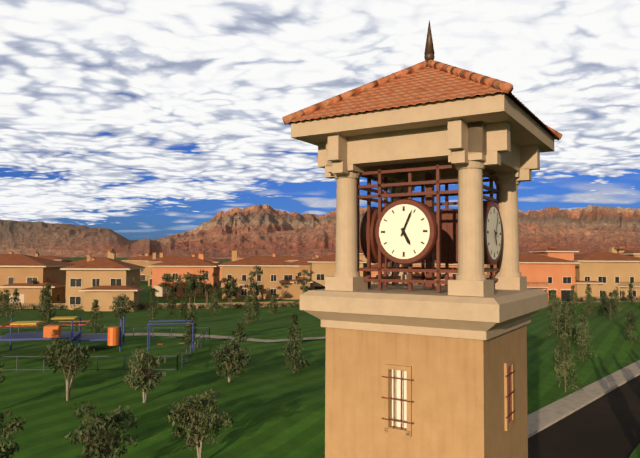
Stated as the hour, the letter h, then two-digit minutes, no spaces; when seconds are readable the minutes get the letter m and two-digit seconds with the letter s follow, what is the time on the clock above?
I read 5h04
